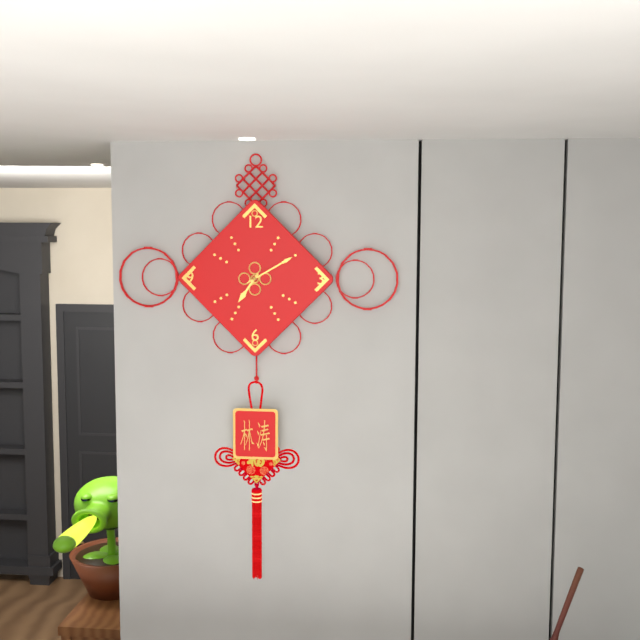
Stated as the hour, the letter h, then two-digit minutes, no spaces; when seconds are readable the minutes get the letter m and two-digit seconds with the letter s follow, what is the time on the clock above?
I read 7h10
